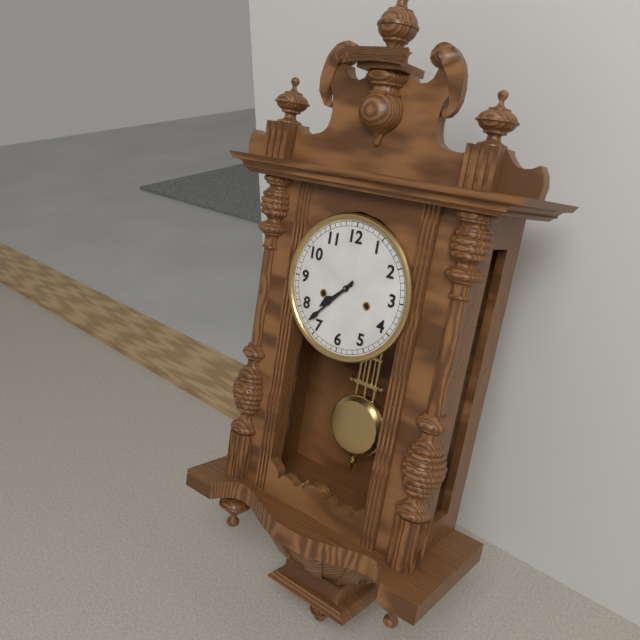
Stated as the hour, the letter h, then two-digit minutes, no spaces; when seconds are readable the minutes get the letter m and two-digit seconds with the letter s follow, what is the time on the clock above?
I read 7h37
